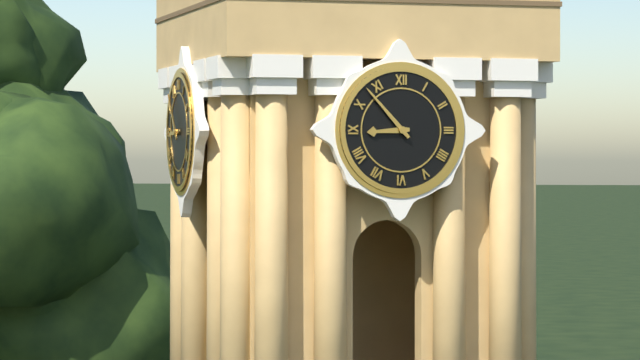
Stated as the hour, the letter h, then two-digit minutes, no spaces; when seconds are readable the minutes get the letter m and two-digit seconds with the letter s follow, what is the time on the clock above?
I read 8h53
